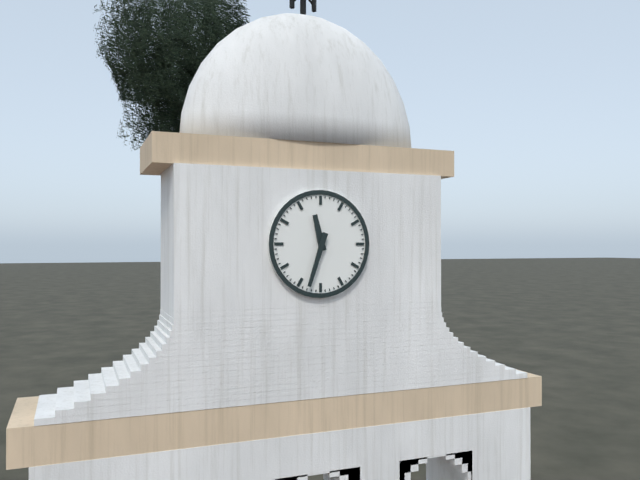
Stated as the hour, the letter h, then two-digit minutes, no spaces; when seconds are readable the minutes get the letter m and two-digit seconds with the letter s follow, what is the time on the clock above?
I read 11h33
